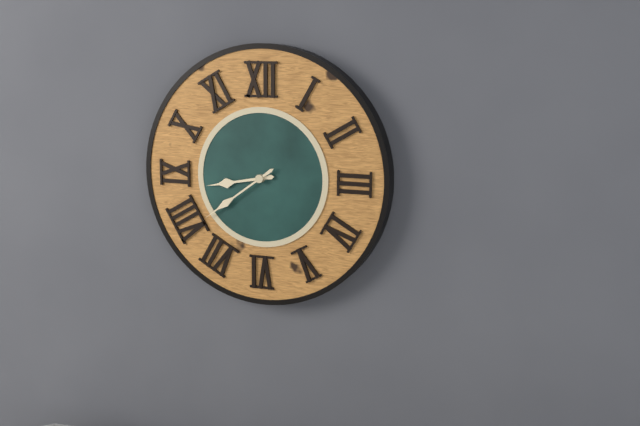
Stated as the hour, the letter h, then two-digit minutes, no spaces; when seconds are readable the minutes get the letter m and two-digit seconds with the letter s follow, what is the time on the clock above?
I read 8h39
